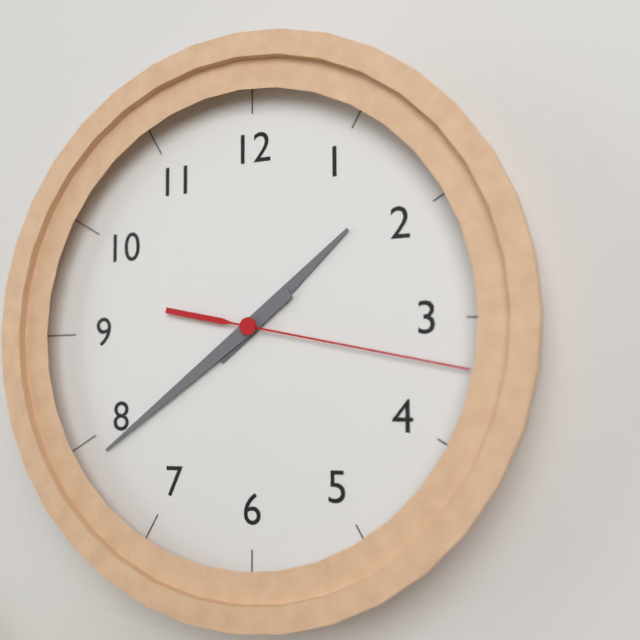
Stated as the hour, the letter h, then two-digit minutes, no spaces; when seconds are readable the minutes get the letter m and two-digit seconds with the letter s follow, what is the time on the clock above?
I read 1h39m17s
